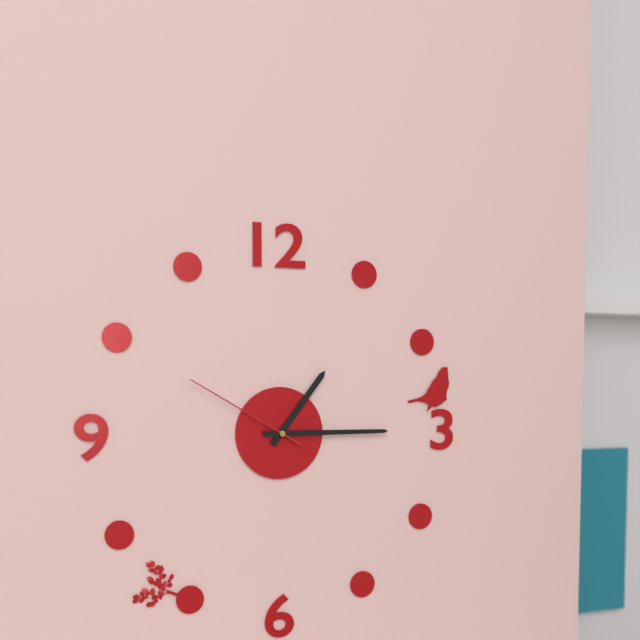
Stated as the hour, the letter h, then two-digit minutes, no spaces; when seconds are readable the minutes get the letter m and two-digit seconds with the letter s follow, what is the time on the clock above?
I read 1h15m50s
